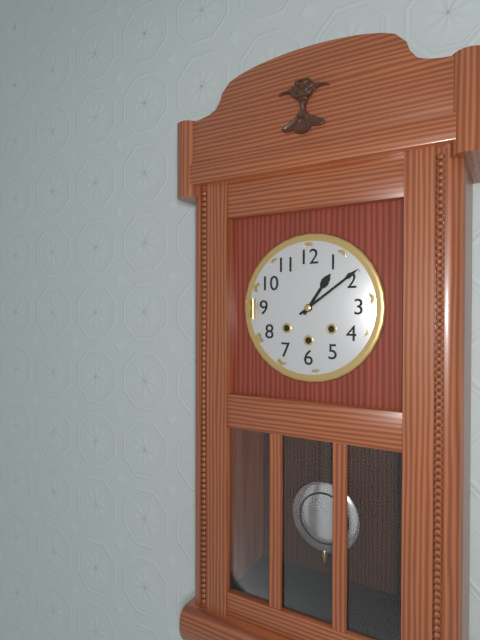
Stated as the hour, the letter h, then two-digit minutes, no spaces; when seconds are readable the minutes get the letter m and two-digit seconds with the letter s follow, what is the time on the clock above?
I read 1h09
